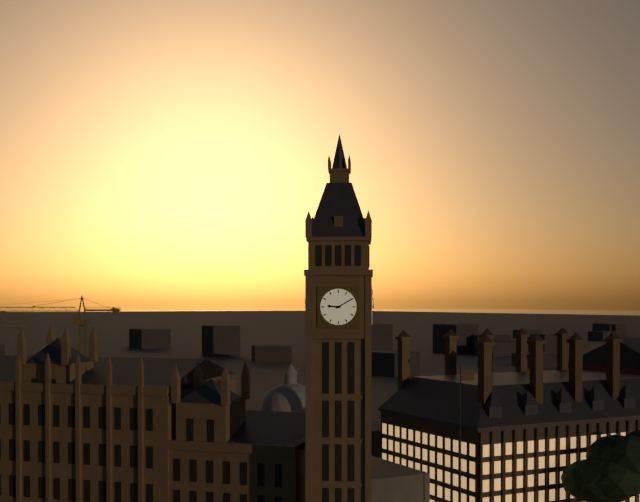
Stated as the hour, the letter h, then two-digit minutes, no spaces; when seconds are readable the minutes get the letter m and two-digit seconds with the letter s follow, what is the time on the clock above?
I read 9h10
